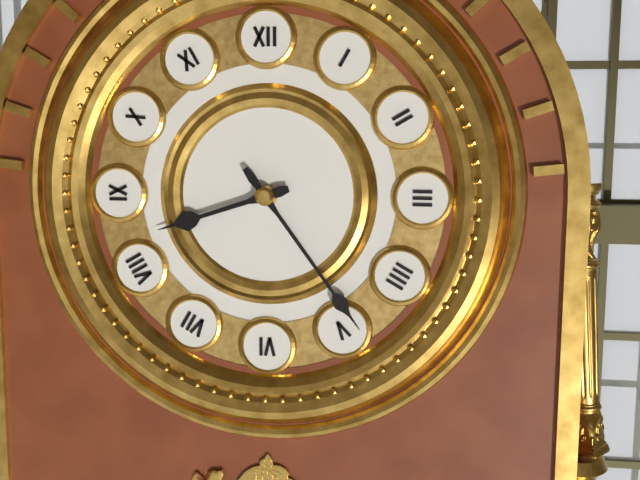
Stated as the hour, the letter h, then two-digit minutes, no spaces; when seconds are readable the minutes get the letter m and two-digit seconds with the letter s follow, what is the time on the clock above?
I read 8h24
